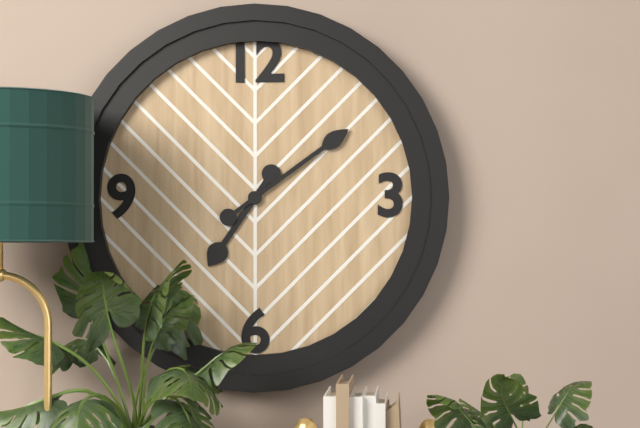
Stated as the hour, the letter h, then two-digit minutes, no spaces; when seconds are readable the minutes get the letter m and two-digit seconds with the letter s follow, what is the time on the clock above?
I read 7h09
